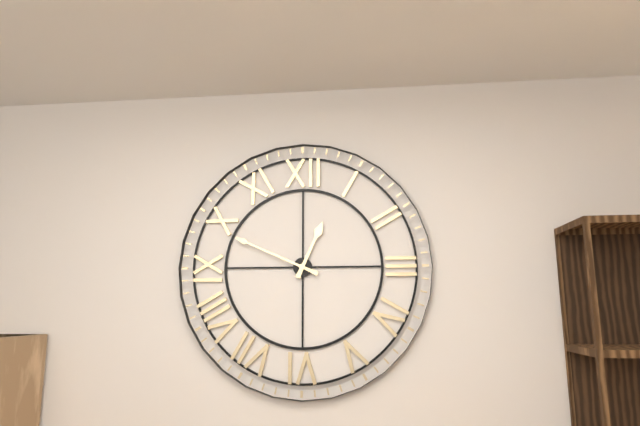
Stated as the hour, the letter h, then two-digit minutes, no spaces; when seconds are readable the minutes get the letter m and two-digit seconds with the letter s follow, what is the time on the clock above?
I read 12h49
